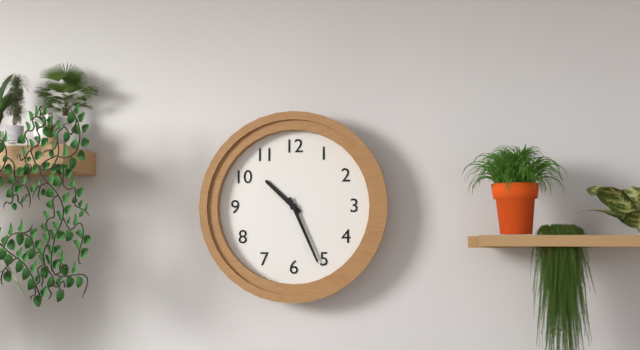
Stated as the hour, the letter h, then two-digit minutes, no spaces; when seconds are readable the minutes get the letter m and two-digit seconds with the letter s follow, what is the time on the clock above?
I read 10h26
